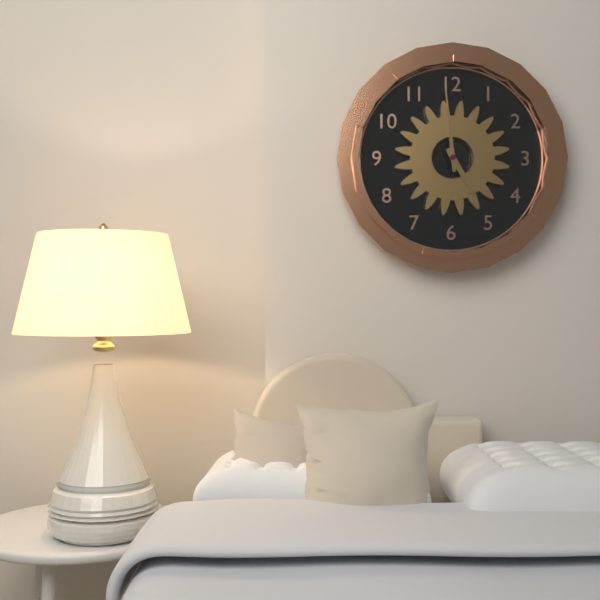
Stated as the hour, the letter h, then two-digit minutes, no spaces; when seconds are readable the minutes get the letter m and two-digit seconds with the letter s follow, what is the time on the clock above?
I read 4h59
